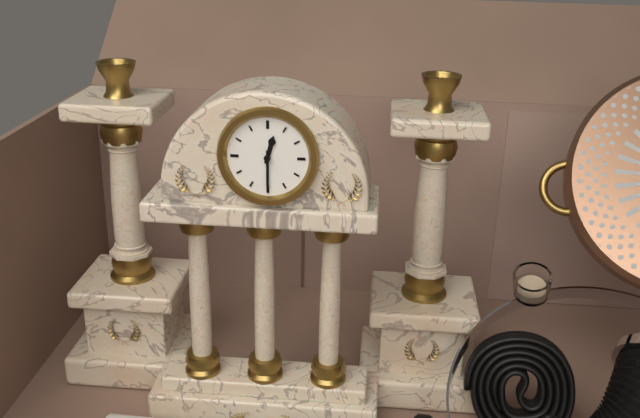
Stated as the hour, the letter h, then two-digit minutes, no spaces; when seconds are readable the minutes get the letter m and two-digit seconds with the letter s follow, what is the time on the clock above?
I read 12h30
